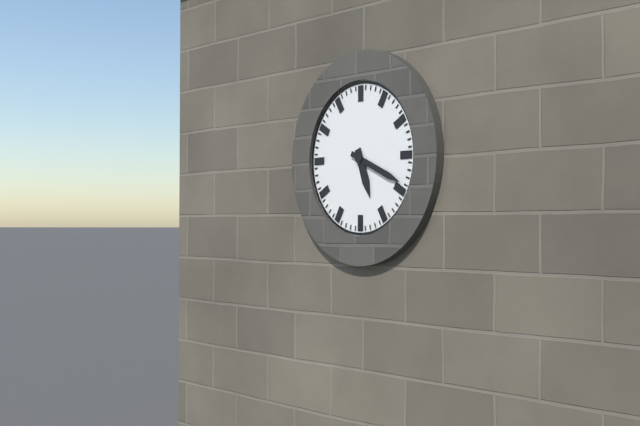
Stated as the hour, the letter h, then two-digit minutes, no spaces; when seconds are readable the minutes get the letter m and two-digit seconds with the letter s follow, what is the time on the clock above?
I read 5h19
